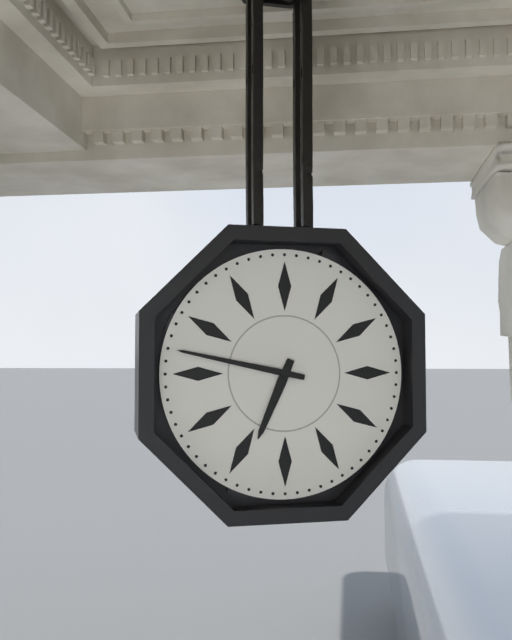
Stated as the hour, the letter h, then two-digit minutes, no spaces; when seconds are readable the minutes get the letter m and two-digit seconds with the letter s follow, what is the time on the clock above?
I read 6h47
